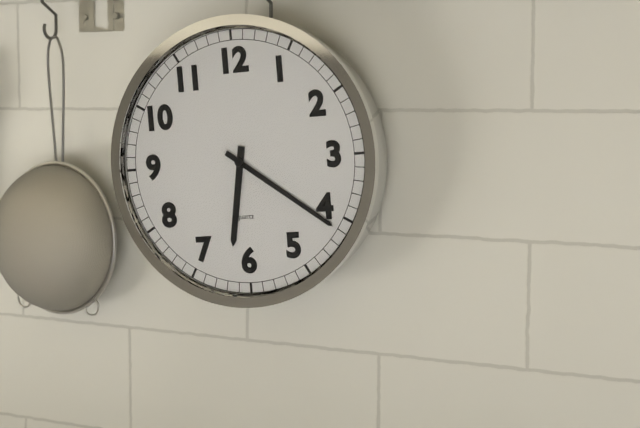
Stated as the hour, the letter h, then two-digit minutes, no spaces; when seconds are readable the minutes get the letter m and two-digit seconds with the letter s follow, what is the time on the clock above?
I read 6h21
